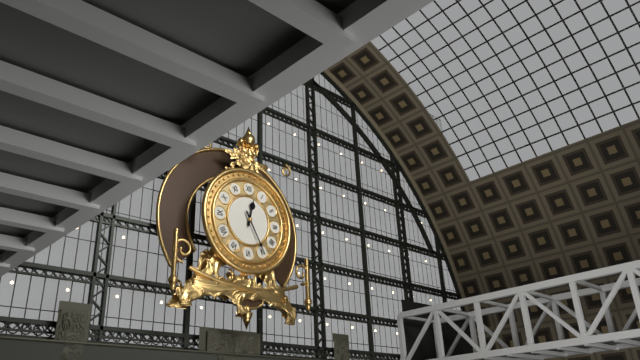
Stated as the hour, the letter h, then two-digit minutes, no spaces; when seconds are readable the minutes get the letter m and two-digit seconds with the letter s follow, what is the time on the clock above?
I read 12h25
